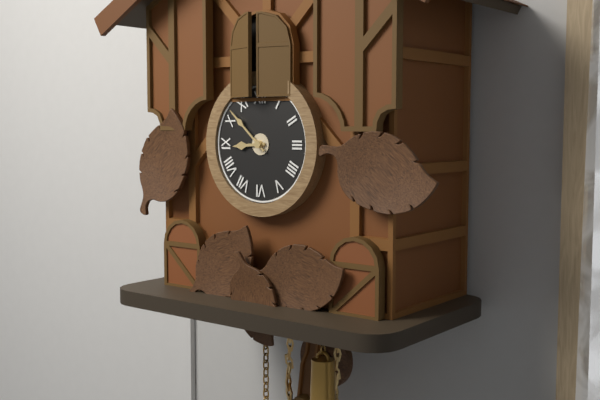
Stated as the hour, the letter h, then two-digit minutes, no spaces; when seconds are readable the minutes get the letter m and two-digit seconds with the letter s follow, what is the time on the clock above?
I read 8h52
